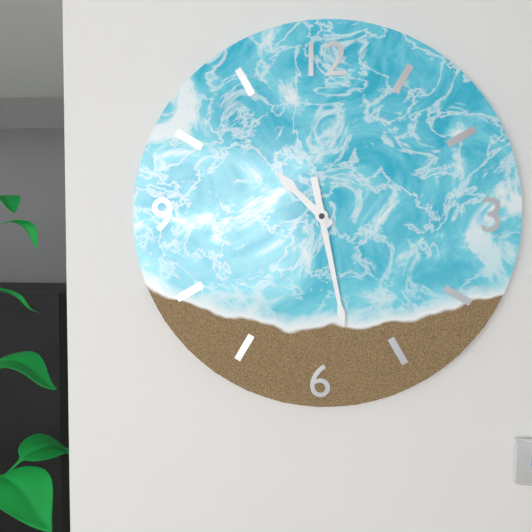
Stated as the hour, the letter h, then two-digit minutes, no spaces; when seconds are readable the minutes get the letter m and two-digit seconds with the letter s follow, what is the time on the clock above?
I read 10h28
